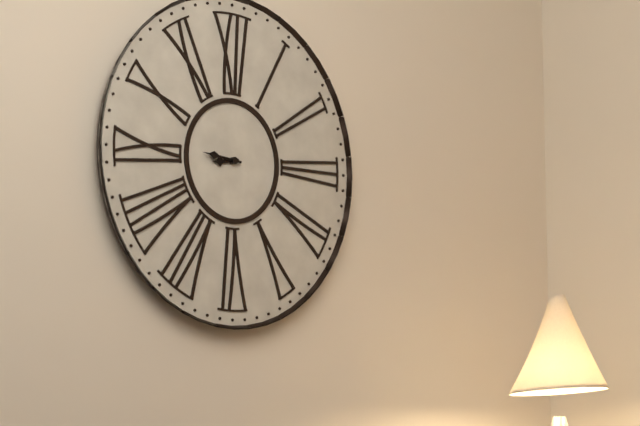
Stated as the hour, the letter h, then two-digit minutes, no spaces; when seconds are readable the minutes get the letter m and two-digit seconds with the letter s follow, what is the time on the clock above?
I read 8h46
